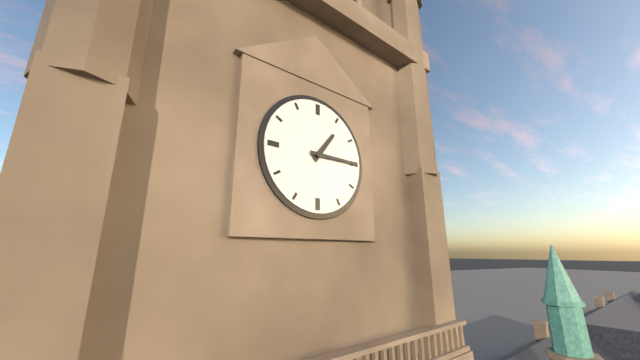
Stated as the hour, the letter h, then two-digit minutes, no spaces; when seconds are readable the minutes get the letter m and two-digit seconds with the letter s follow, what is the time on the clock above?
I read 1h15
